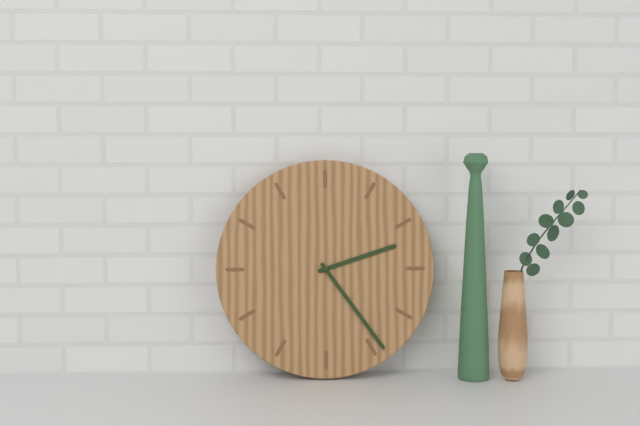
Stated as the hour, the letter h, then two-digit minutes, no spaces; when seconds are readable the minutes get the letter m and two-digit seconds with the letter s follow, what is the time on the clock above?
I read 2h24
